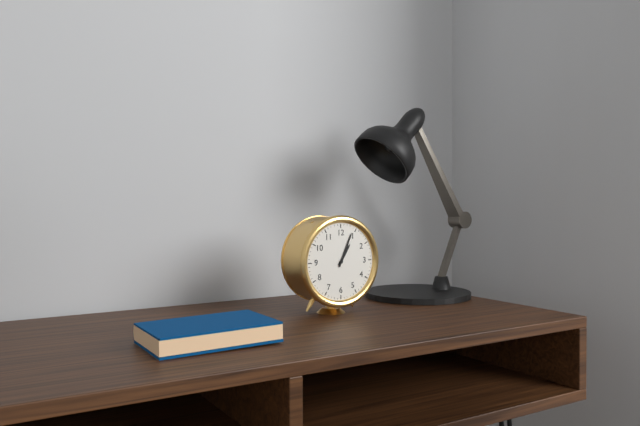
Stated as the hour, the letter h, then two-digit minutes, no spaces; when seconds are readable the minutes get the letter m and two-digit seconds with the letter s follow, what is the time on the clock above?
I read 1h04
